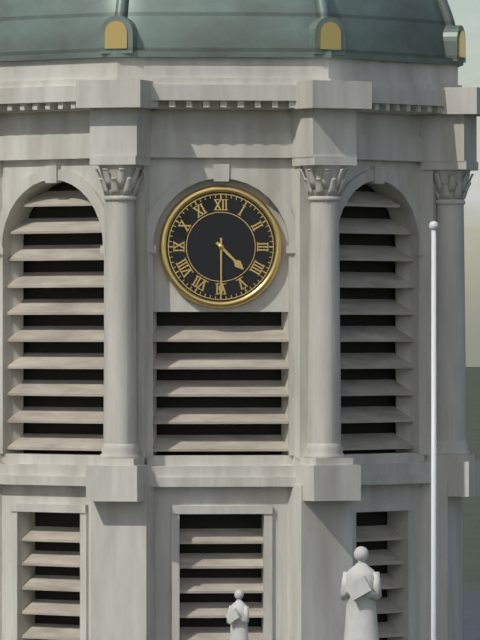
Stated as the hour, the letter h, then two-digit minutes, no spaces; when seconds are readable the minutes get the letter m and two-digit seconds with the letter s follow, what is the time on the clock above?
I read 4h30
